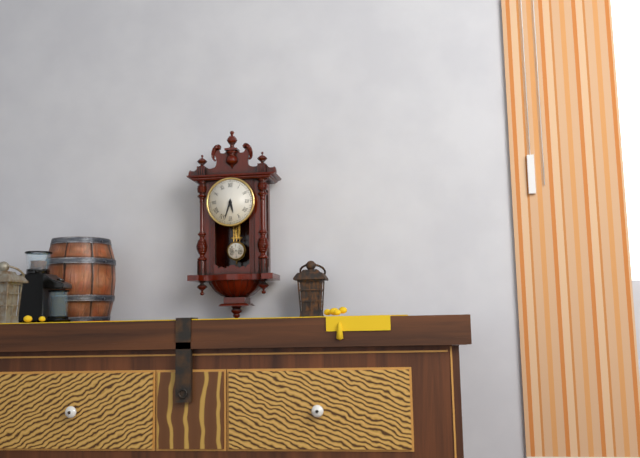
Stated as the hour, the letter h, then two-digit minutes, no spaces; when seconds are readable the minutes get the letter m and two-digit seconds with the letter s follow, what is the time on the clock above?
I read 5h33
